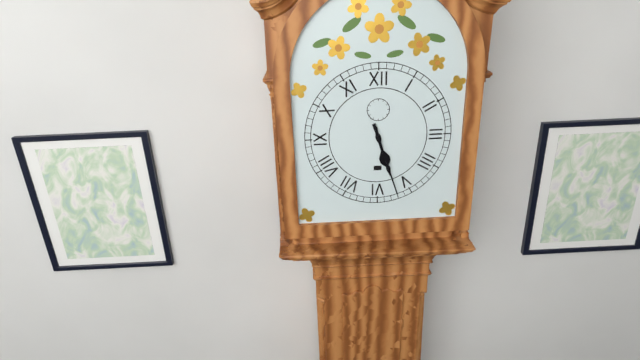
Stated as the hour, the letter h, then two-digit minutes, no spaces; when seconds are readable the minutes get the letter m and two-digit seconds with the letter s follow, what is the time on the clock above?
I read 5h27
